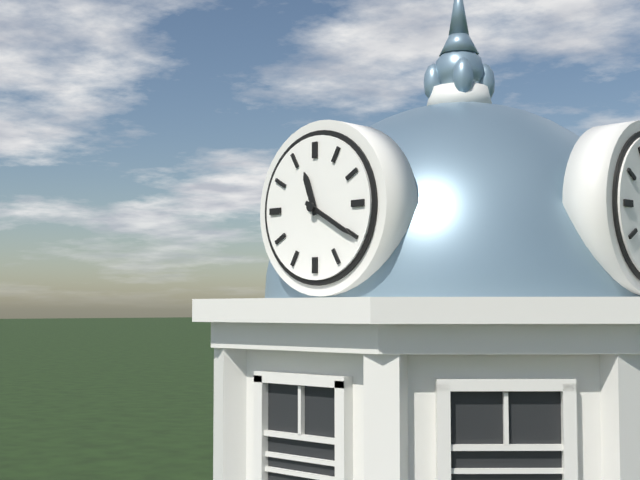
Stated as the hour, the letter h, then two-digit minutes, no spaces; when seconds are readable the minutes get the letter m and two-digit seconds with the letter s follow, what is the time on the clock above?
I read 11h20
